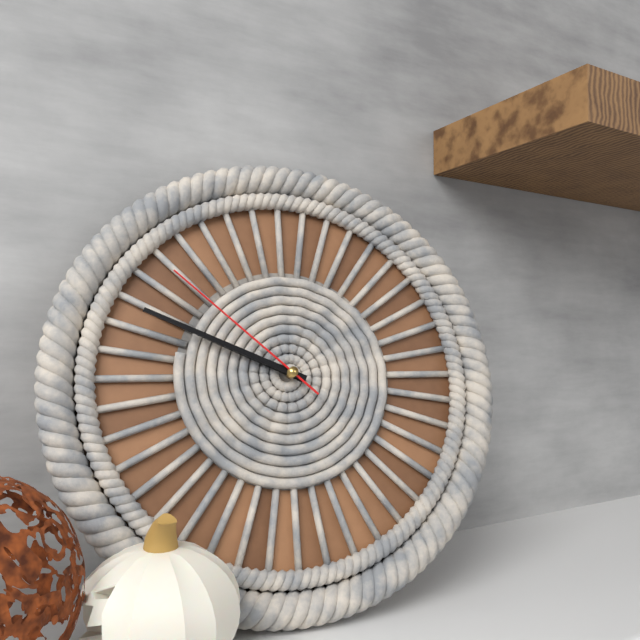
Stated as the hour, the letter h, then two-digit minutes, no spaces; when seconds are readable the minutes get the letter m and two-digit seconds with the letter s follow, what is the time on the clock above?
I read 9h49m52s
